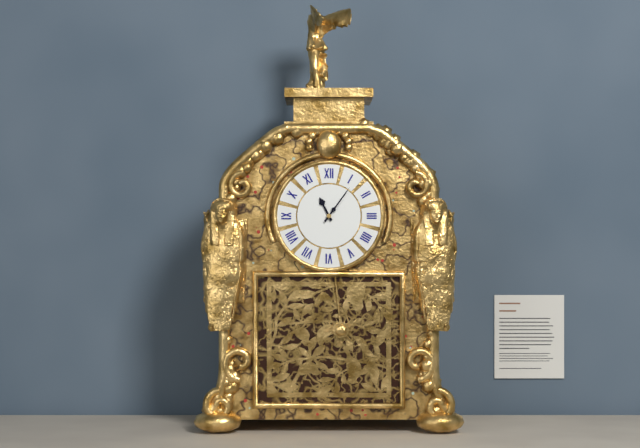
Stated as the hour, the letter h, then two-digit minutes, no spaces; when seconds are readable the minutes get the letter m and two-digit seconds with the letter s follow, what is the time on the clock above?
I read 11h06
